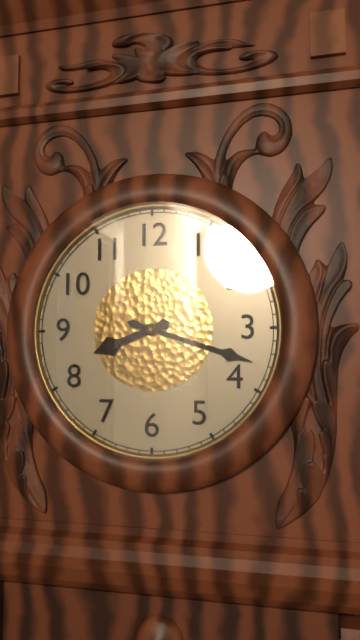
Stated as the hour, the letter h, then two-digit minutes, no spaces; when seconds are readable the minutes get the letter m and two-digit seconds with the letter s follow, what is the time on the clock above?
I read 8h18
